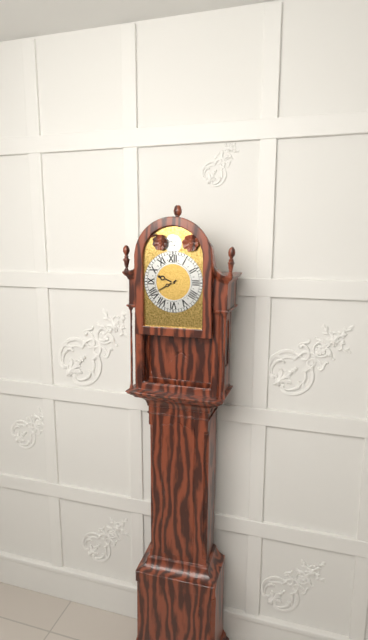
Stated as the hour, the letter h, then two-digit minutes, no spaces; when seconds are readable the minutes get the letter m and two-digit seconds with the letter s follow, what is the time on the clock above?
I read 9h40
